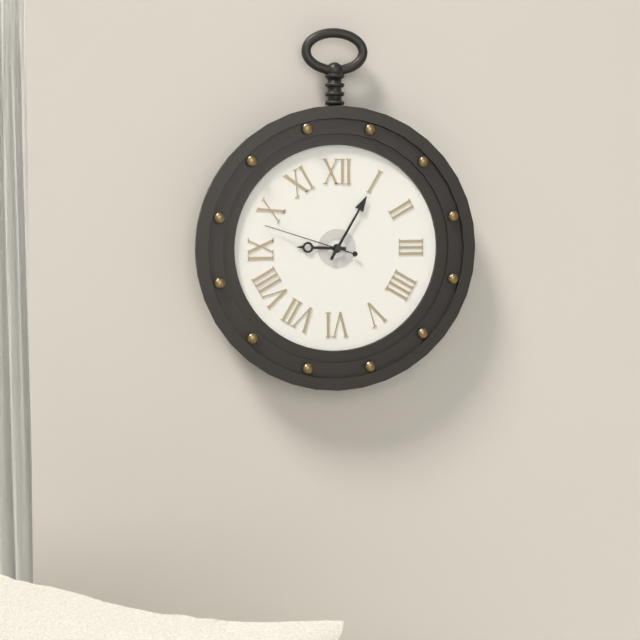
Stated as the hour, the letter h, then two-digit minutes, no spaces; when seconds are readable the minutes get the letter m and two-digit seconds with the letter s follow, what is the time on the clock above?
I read 9h05m48s
